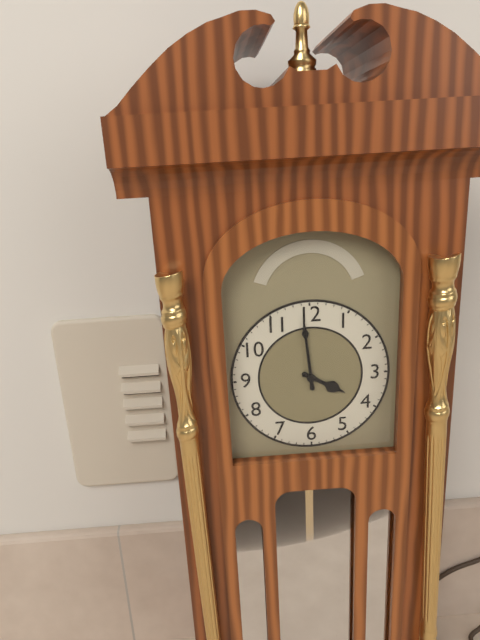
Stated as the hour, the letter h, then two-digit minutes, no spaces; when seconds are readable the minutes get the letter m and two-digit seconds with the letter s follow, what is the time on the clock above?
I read 3h59
